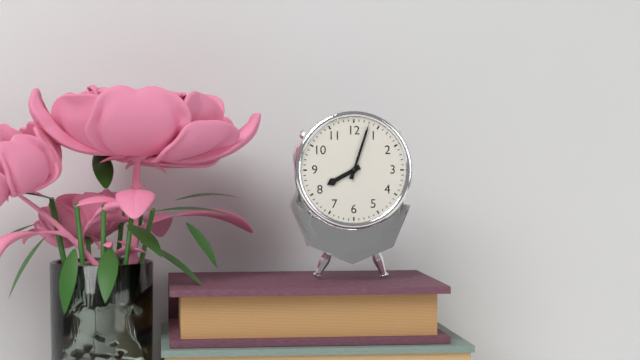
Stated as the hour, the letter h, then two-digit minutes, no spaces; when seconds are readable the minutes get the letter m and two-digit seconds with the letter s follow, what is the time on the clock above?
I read 8h03
